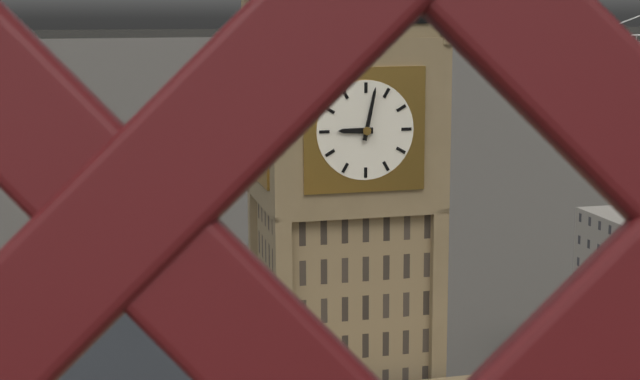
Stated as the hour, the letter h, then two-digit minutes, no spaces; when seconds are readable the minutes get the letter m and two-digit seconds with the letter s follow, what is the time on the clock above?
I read 9h02
